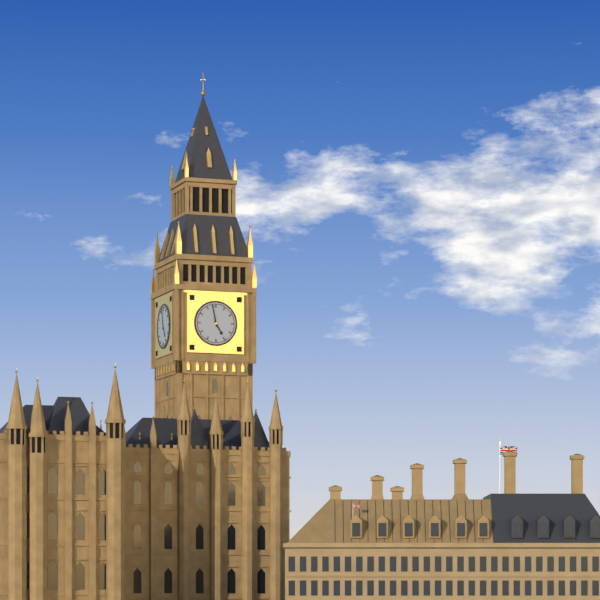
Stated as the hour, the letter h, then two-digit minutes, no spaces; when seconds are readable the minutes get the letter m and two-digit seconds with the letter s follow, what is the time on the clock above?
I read 4h58
